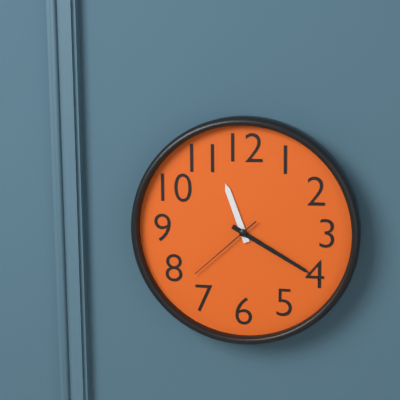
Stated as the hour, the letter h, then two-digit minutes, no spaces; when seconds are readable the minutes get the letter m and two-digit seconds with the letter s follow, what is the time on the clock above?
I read 11h20m38s
